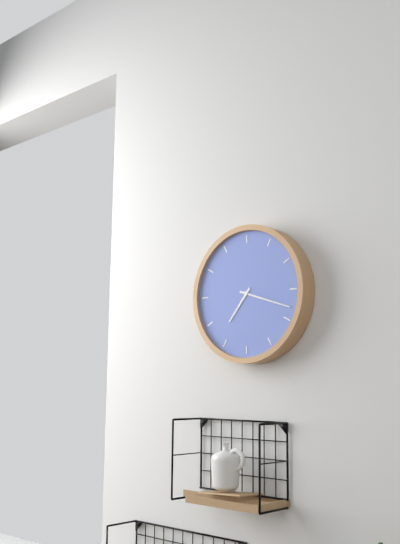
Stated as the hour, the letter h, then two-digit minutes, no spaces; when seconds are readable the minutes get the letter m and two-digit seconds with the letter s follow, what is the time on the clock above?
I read 7h18
